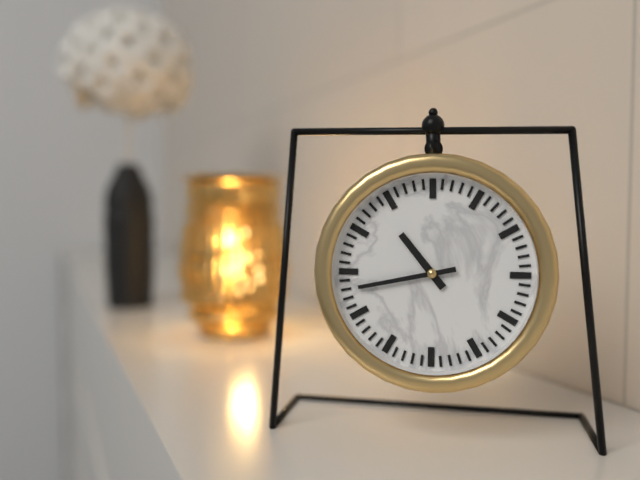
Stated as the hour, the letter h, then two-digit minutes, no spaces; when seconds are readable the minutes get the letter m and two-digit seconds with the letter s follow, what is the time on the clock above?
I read 10h43
